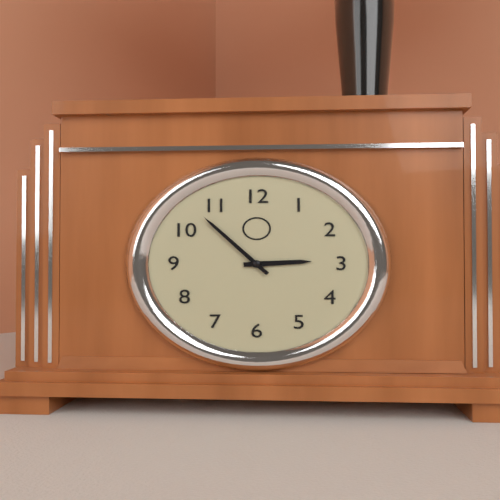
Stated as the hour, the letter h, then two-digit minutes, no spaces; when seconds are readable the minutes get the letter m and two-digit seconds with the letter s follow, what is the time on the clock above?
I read 2h53
